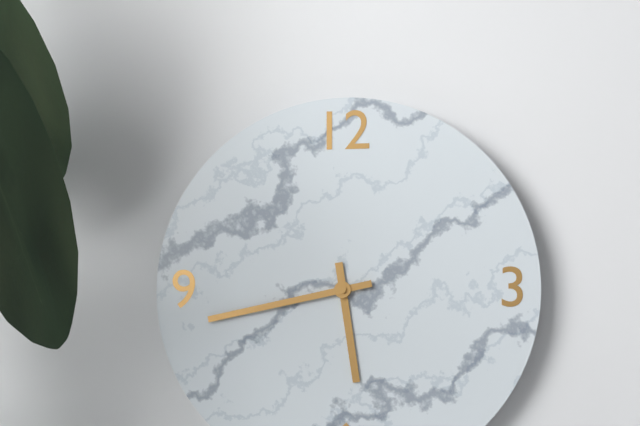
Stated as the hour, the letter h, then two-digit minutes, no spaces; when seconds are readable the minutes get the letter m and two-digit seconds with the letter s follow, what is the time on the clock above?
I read 5h43
